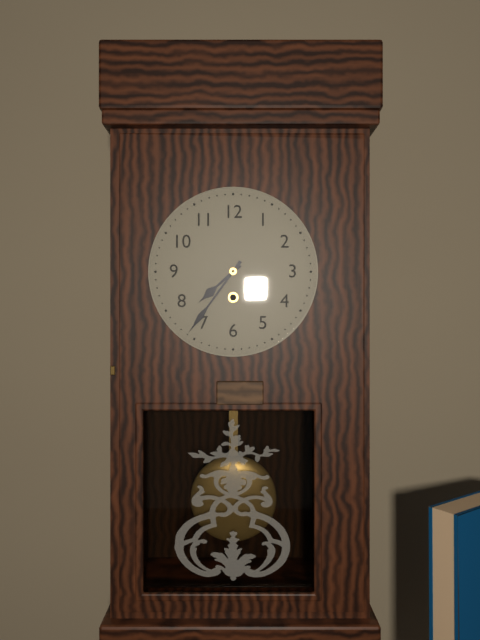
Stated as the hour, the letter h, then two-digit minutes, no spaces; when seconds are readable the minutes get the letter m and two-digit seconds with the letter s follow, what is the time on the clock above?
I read 7h36
